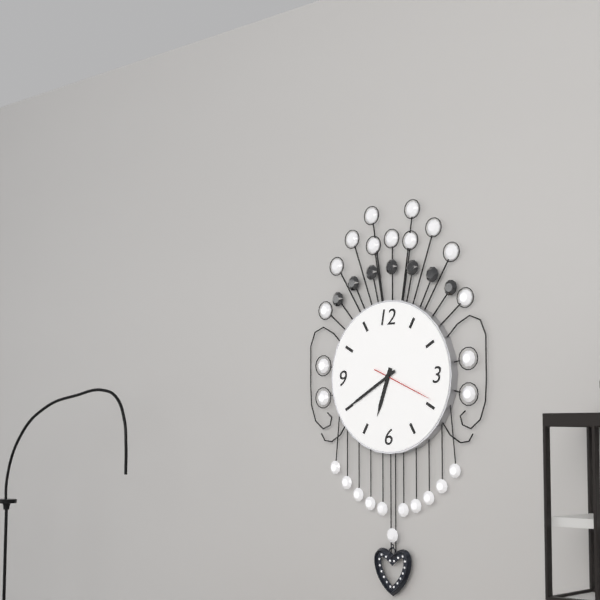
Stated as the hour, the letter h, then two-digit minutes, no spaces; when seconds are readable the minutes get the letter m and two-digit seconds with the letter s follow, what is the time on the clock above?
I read 6h40m19s
